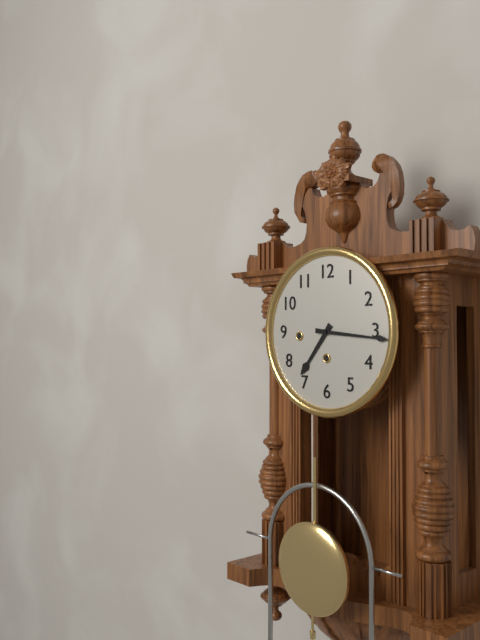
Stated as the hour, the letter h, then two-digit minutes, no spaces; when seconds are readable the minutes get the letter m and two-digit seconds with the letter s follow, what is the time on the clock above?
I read 7h16
